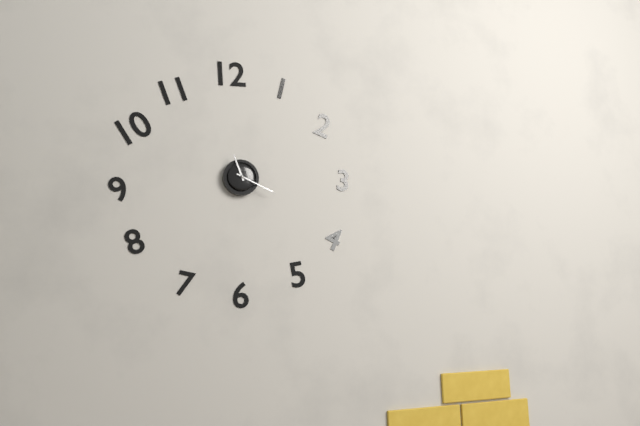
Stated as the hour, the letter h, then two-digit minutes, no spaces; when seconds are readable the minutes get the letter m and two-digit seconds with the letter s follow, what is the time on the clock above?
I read 11h19
